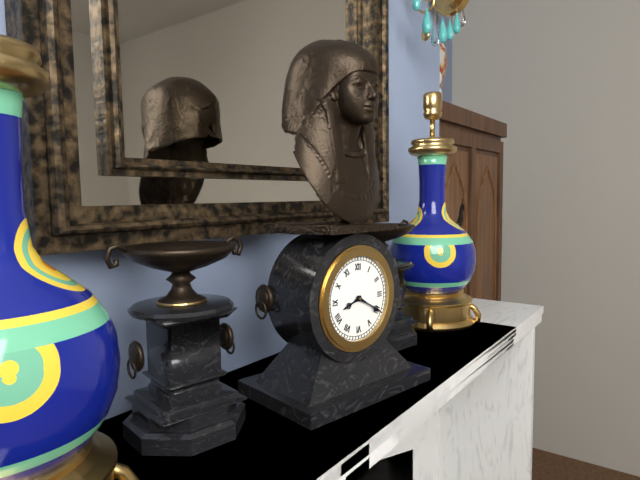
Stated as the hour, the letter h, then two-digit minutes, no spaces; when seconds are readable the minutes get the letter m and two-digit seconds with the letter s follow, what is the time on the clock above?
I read 8h20
